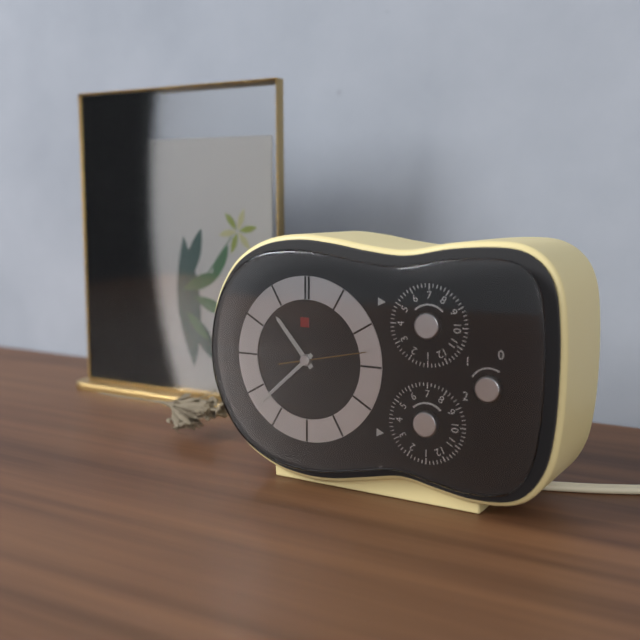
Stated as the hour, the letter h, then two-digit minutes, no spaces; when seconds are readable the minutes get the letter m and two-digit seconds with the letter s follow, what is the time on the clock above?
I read 10h38m13s
